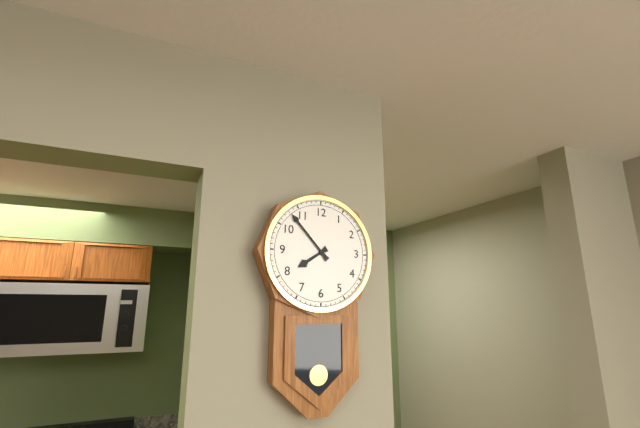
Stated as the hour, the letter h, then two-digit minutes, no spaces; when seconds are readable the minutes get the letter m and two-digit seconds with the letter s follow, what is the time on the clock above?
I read 7h53
